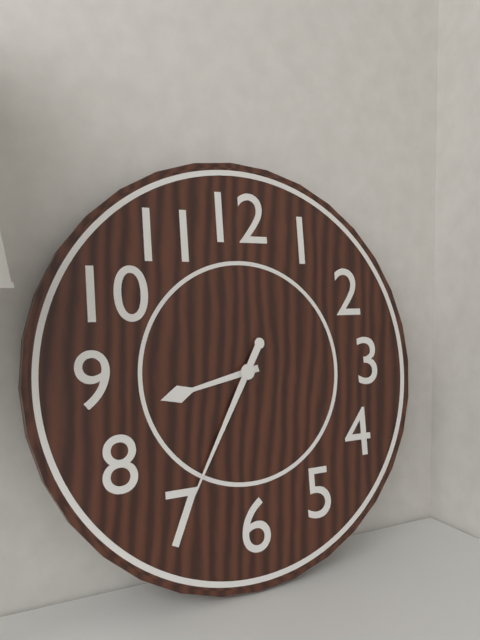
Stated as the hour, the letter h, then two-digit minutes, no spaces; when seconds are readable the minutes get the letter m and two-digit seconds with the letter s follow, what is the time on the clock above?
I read 8h35
